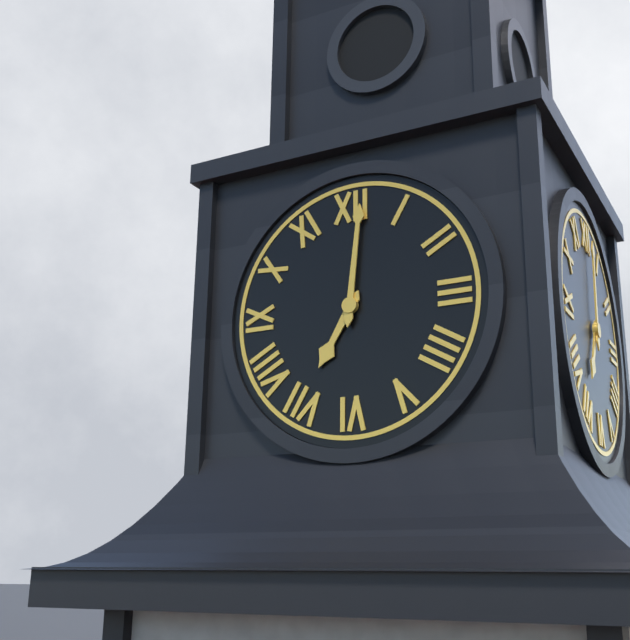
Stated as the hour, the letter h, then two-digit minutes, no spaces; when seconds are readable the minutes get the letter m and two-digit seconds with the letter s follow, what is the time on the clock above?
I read 7h01
